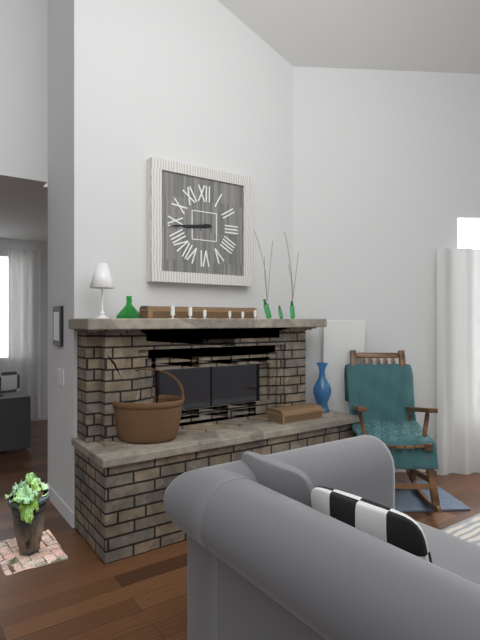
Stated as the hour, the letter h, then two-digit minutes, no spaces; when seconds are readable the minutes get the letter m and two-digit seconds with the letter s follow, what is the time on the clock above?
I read 8h44
